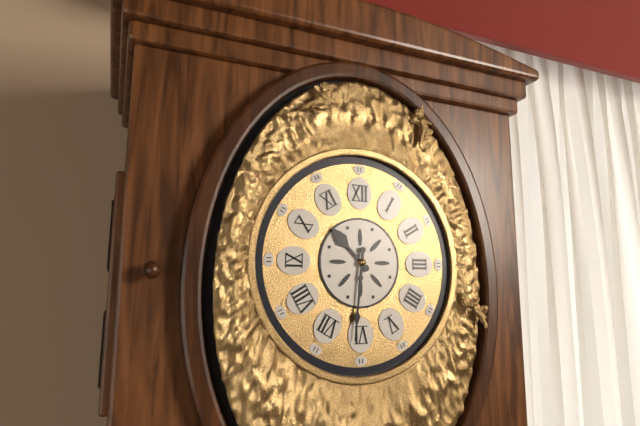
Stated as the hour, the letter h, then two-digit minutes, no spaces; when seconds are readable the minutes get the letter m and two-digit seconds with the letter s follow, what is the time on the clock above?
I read 10h31
